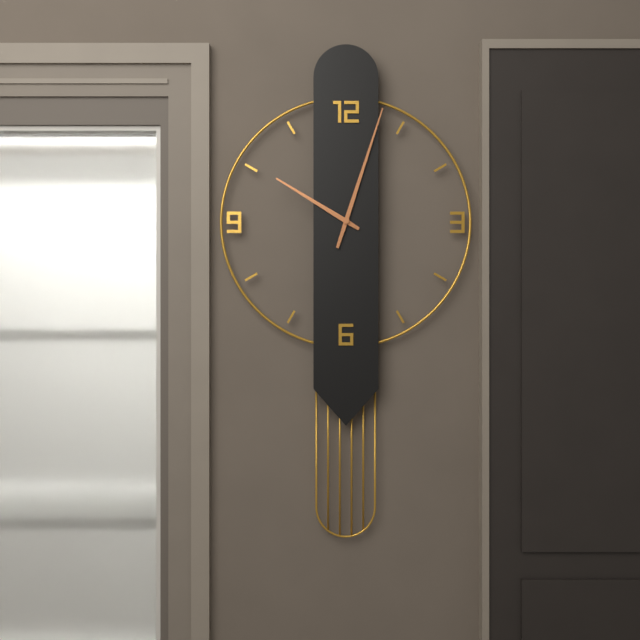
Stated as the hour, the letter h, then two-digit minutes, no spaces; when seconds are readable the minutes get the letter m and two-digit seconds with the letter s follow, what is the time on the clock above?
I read 10h03
